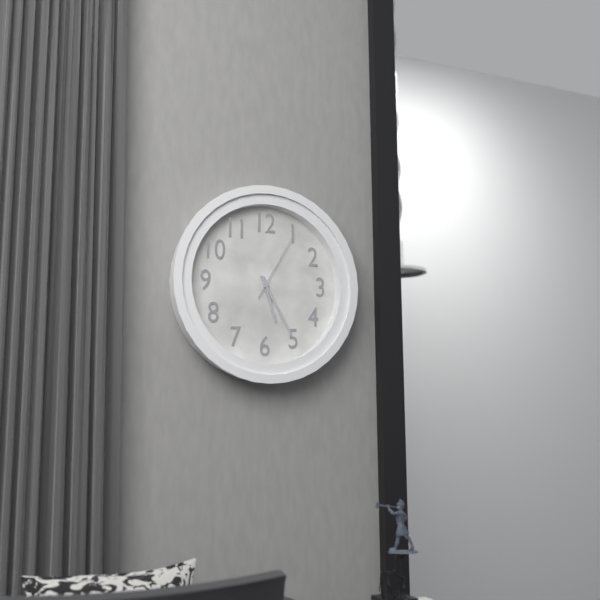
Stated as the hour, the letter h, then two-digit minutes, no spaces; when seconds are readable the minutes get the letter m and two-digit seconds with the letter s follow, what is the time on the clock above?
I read 5h25m05s
